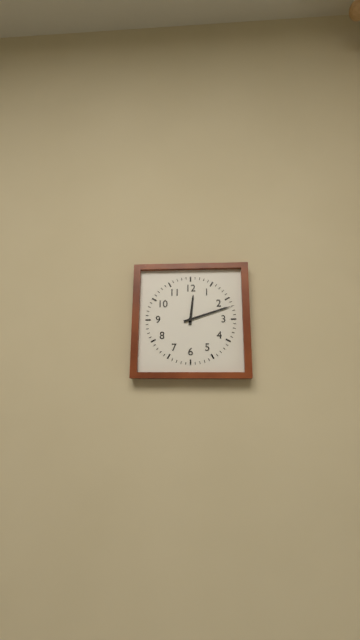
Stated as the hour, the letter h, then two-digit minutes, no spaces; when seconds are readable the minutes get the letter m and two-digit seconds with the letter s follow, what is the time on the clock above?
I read 12h12
